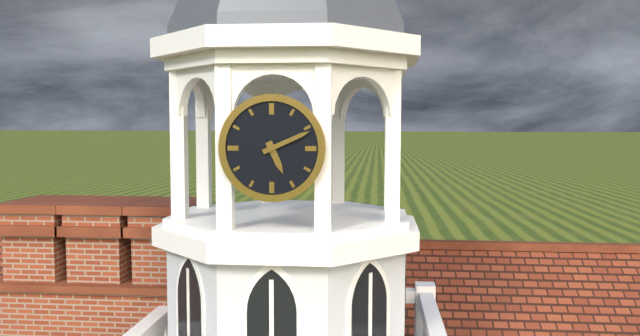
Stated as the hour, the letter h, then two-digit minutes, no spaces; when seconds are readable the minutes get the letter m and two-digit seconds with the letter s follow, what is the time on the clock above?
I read 5h11
